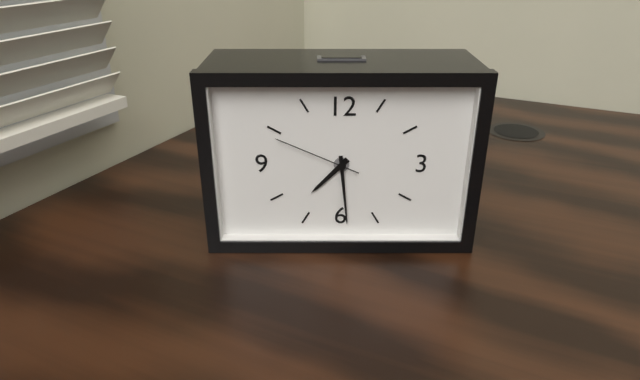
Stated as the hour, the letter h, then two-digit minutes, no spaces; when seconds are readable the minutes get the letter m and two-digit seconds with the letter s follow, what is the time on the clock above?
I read 7h29m49s
